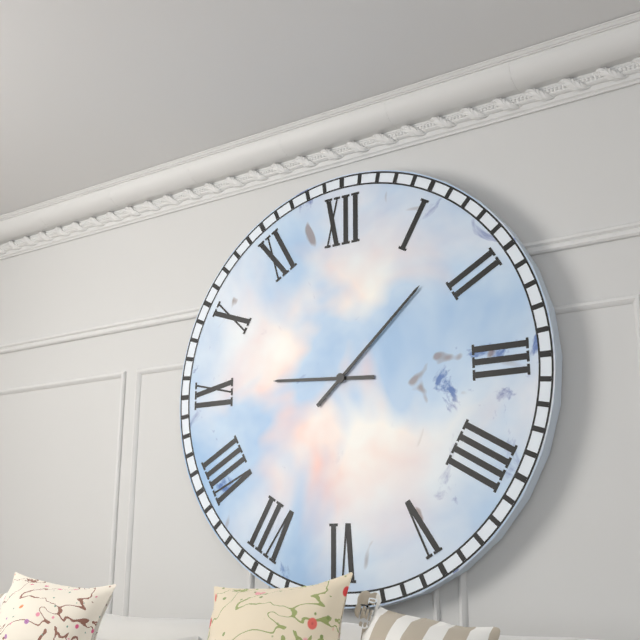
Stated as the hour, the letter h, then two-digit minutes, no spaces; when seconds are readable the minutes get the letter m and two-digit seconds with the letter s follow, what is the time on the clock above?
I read 9h08
